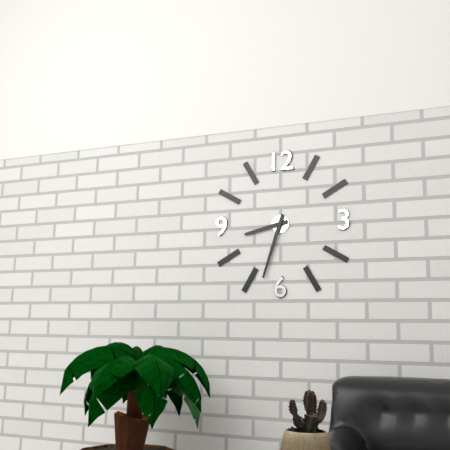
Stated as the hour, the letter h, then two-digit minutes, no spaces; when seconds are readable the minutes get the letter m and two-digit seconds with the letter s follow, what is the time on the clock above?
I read 8h33
